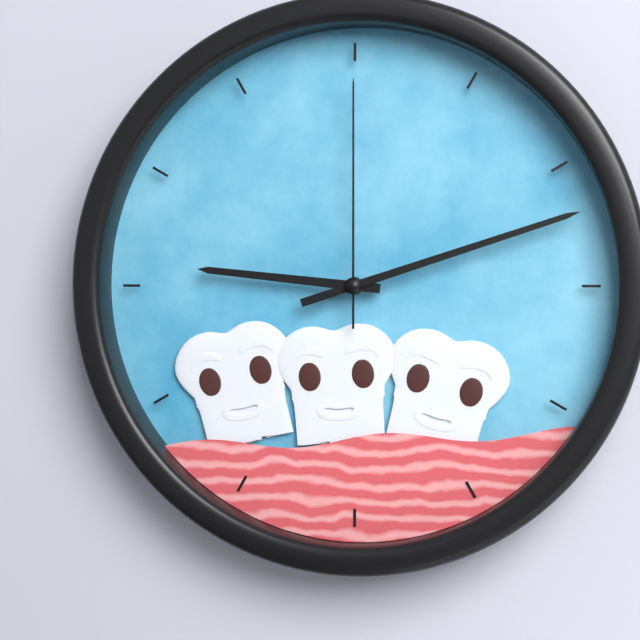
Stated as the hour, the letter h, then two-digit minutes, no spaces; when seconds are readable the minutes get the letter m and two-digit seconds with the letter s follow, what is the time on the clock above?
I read 9h12m00s
